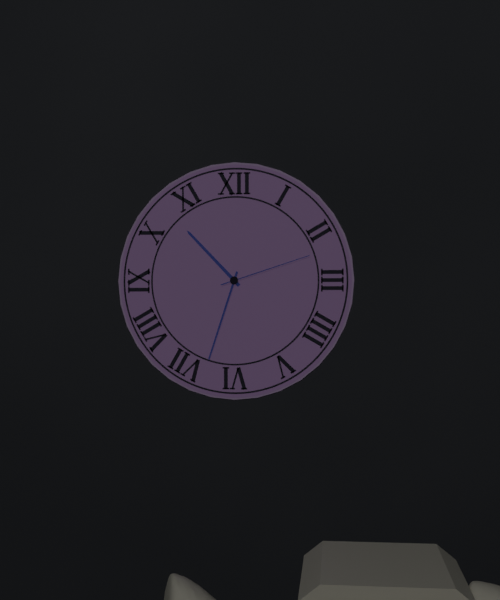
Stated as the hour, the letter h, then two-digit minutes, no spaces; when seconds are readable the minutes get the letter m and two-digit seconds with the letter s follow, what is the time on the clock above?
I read 10h33m12s
